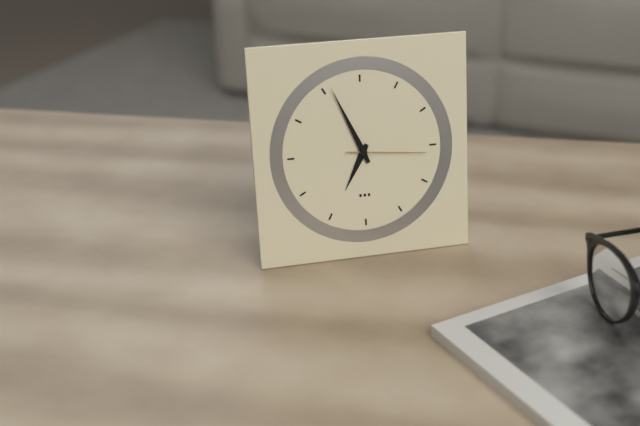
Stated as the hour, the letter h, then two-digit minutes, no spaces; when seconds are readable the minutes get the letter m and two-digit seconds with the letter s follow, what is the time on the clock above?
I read 6h56m16s
